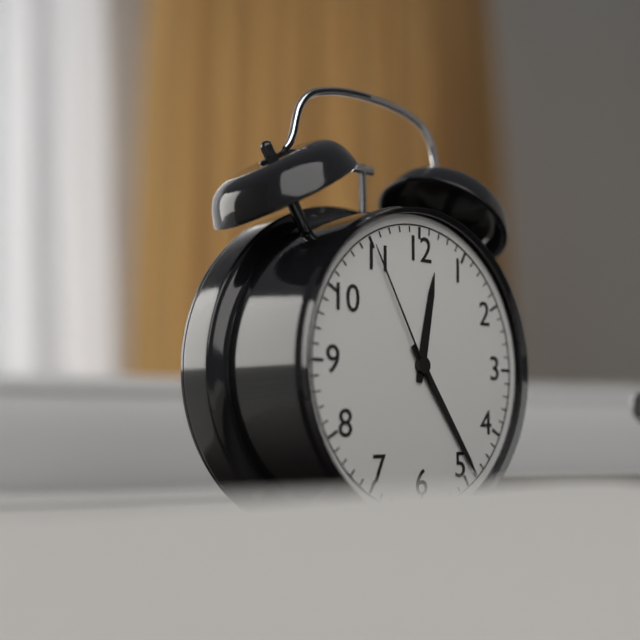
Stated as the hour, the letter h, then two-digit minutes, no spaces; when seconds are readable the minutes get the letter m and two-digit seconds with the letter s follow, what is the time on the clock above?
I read 12h24m55s
